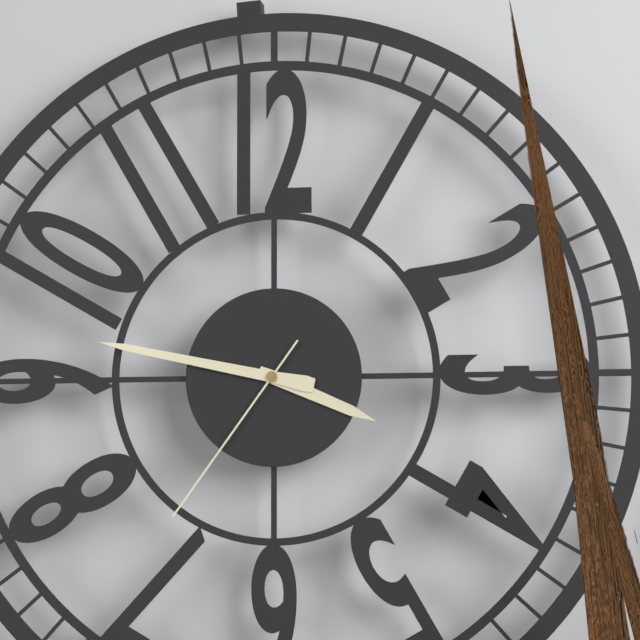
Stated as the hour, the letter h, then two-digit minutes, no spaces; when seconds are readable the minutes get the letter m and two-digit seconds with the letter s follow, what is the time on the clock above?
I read 3h47m36s
